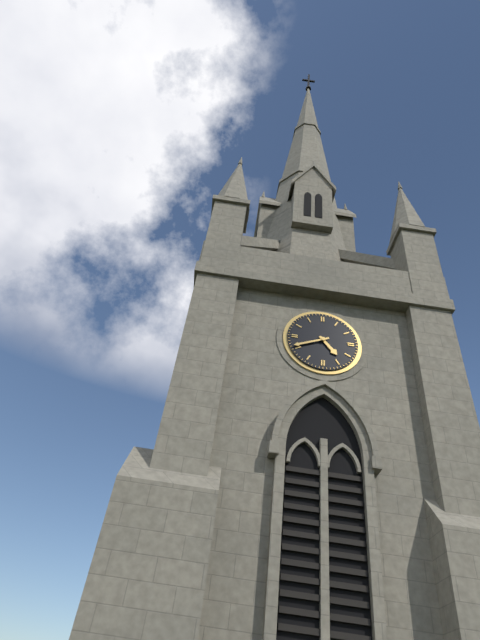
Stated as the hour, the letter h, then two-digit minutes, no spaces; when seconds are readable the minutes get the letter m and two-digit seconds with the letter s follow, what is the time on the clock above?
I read 4h41
